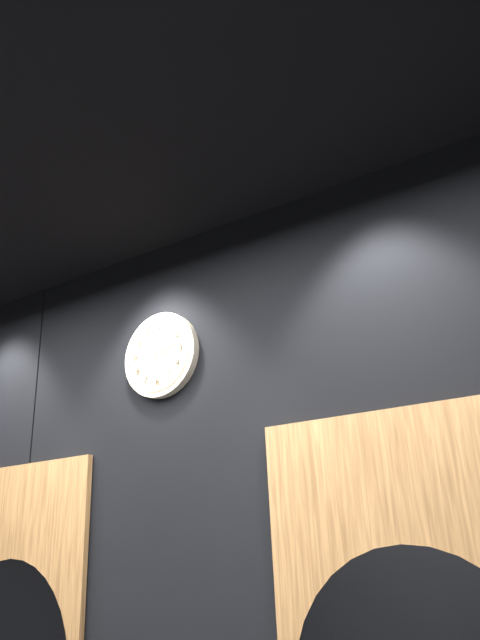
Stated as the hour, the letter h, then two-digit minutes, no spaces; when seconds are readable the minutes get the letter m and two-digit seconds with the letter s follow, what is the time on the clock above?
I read 2h25
